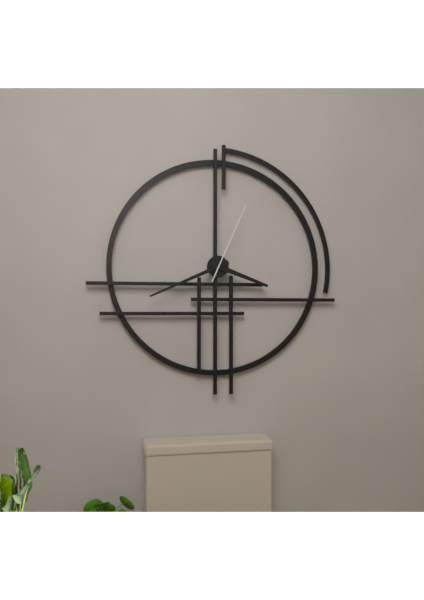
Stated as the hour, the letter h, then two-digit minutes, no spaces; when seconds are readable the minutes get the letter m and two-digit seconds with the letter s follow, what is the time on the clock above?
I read 3h41m04s
